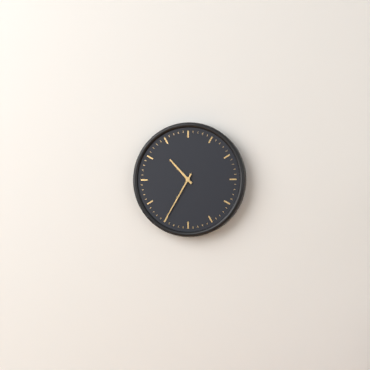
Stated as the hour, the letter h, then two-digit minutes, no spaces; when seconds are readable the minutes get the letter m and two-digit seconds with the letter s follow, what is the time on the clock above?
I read 10h35
